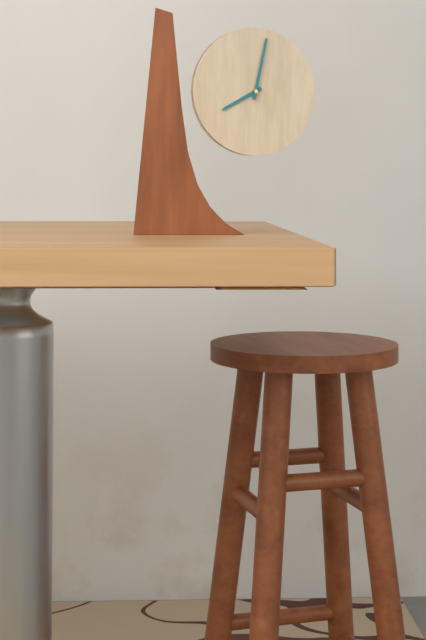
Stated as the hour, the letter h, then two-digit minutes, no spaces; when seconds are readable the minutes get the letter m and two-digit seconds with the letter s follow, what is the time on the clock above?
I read 8h02
